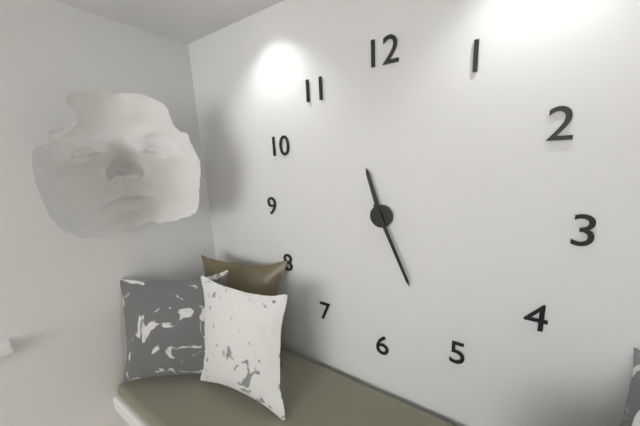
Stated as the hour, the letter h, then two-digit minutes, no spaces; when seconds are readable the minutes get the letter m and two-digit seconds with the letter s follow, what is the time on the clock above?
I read 11h26
